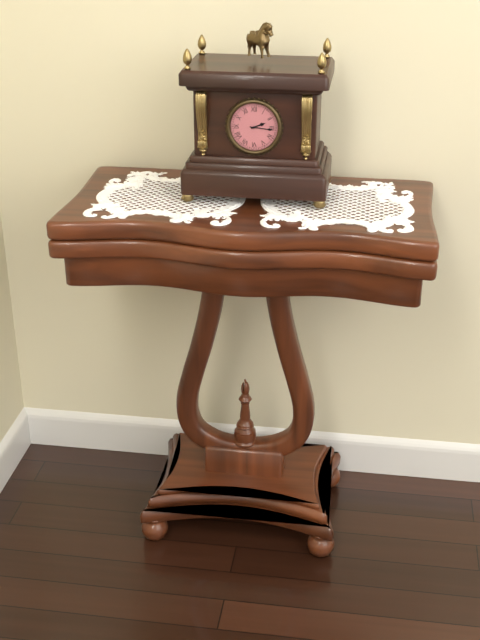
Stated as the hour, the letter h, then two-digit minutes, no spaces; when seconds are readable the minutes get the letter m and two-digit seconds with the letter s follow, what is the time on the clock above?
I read 2h16
